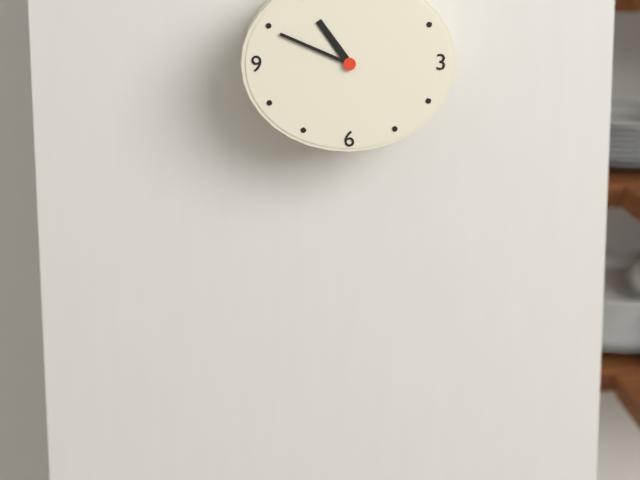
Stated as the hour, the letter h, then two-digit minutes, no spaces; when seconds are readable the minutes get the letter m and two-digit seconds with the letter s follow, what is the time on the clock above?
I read 10h49
